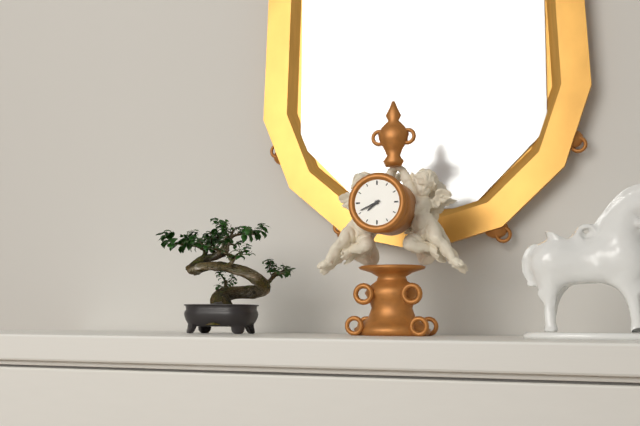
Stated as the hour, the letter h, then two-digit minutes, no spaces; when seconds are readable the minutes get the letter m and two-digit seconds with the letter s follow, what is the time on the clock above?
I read 7h41
